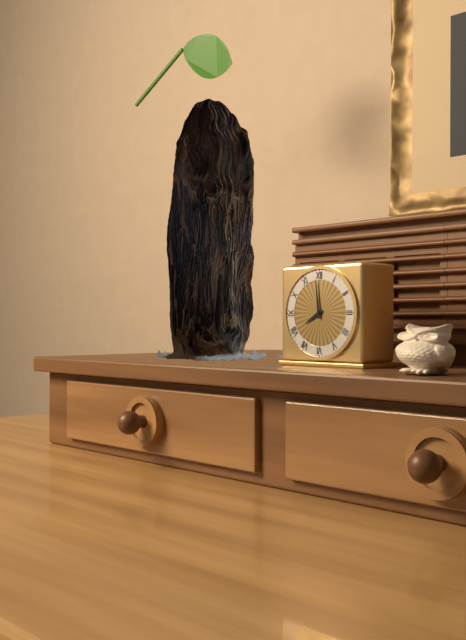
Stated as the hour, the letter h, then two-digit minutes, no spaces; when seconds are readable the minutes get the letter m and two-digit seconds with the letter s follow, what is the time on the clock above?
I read 7h59
